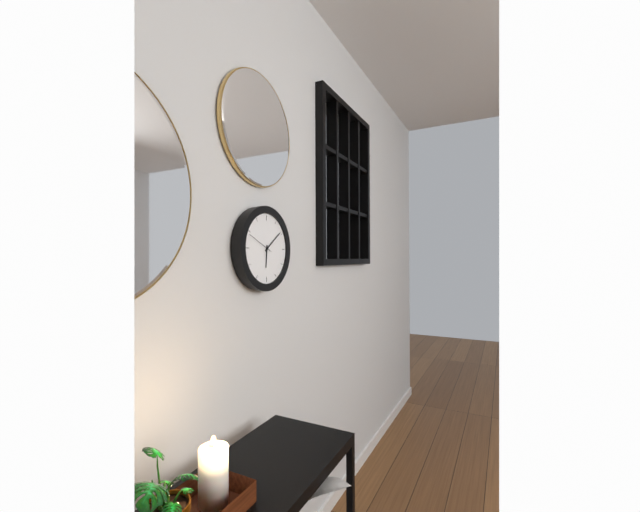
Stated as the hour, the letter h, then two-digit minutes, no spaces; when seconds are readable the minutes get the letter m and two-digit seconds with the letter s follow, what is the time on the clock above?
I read 6h09
